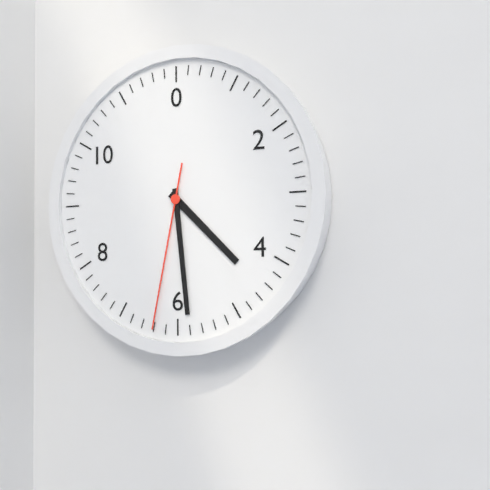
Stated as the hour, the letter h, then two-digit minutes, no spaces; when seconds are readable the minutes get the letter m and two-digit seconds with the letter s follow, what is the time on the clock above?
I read 4h29m32s
